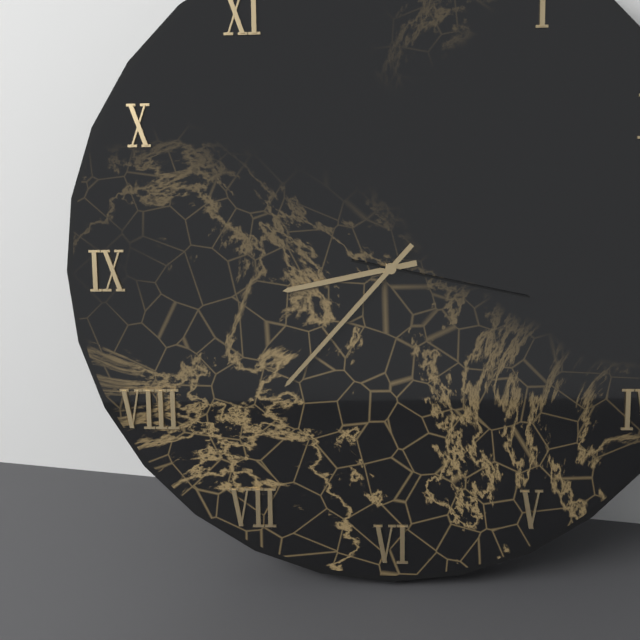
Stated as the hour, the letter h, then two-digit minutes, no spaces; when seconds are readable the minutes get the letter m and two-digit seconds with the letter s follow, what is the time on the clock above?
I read 8h37m17s
